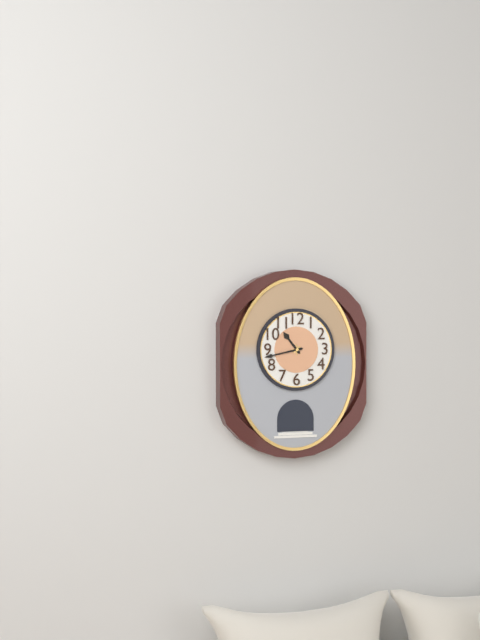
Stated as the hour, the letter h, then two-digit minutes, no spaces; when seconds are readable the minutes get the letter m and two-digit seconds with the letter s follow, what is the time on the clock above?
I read 10h43
